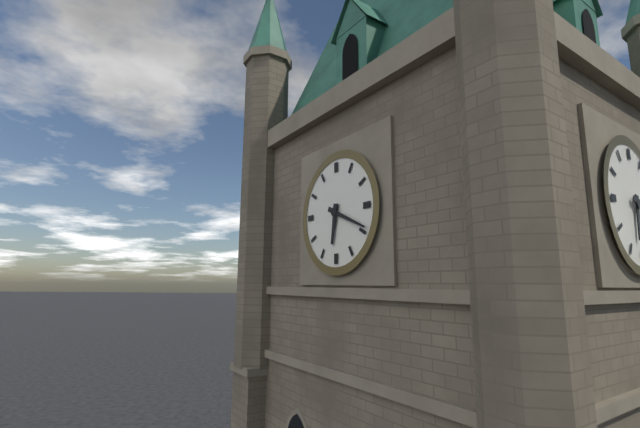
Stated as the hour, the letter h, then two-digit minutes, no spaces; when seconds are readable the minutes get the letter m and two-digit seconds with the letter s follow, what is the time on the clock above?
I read 6h19
